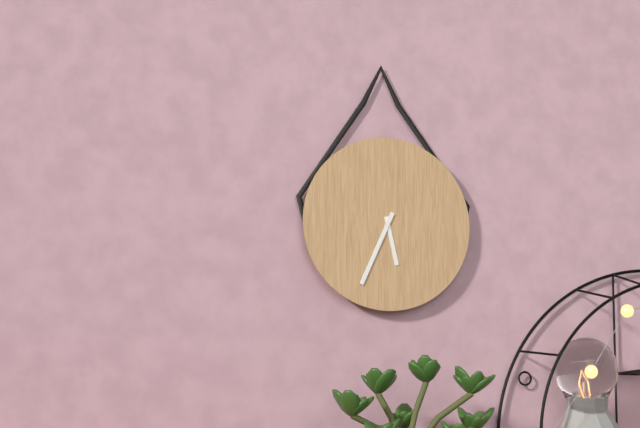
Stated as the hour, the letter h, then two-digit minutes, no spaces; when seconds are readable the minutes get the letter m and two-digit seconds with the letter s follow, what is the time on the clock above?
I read 5h34
